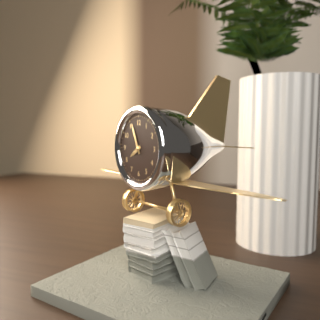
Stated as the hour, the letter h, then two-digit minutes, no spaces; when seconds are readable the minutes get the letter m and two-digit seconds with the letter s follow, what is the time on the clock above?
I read 7h56
